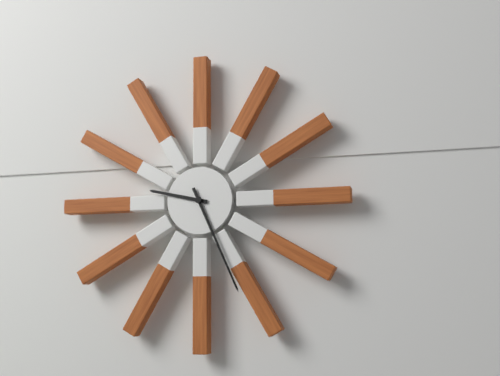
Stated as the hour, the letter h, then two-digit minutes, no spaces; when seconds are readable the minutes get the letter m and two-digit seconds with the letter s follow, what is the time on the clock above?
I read 9h26
